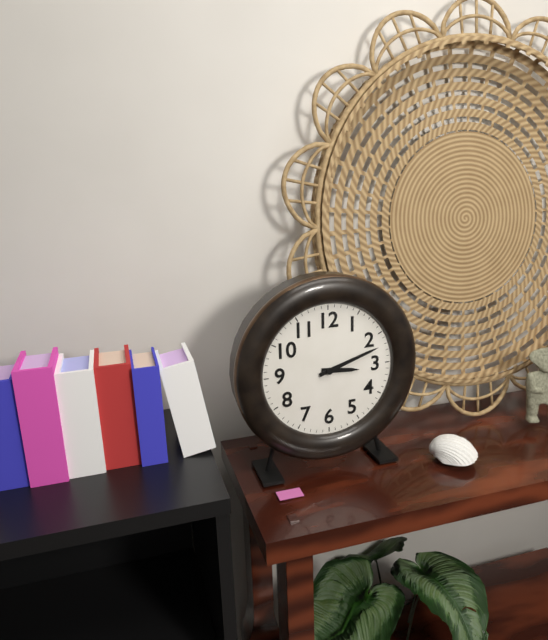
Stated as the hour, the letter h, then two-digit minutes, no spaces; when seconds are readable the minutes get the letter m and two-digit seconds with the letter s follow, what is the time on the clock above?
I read 3h12
